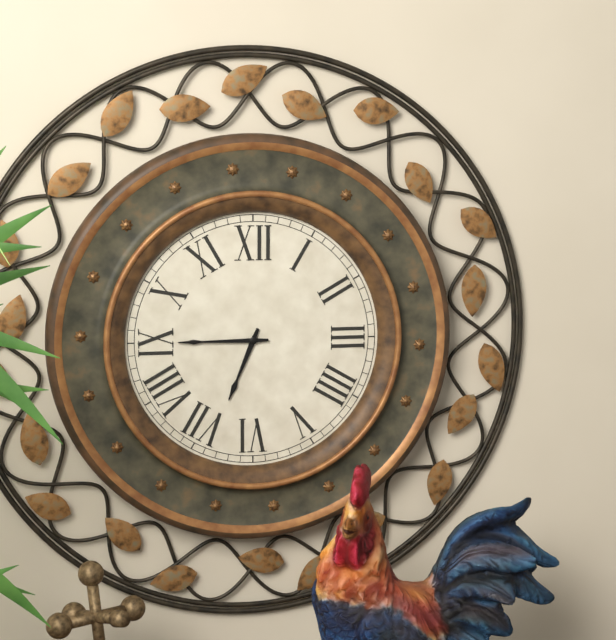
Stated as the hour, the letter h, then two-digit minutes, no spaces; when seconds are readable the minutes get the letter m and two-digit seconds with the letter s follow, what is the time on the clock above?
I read 6h45
